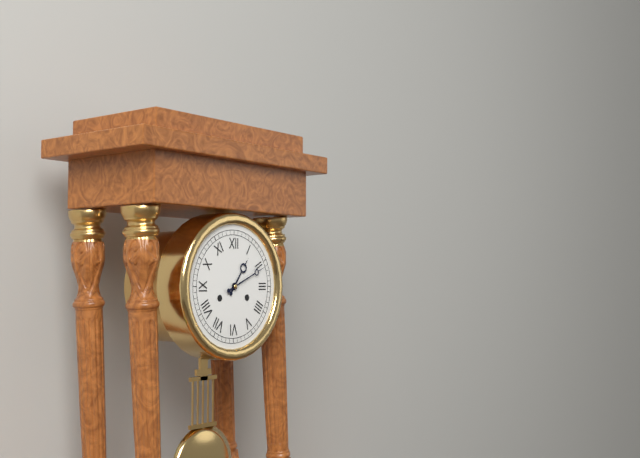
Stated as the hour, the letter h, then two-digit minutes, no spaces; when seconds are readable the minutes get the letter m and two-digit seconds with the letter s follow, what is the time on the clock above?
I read 1h11
